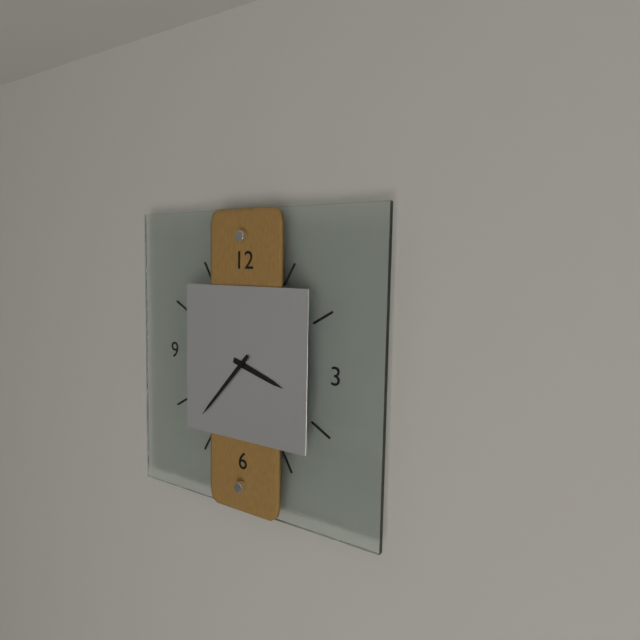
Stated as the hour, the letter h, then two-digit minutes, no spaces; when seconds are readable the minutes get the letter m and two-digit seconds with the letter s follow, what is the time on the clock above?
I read 3h37
